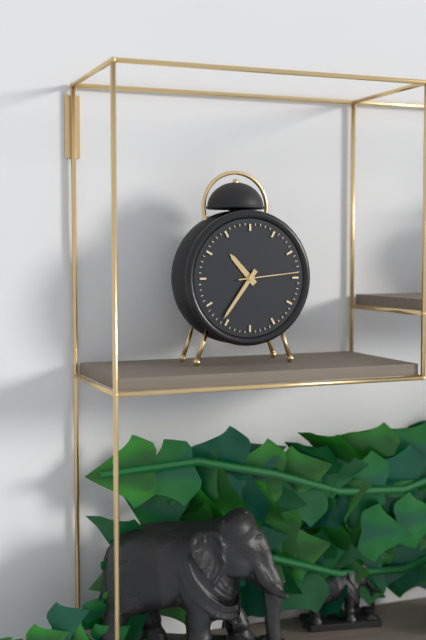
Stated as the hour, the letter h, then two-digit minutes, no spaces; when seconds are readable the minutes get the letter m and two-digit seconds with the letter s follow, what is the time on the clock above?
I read 10h36m14s
